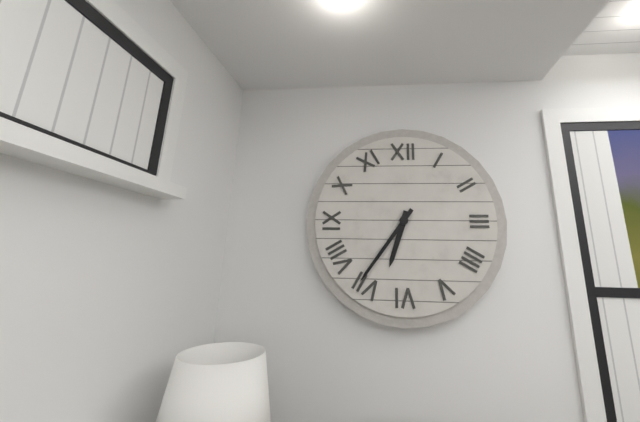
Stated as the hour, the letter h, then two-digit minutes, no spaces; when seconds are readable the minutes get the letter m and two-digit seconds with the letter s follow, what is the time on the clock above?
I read 6h36
